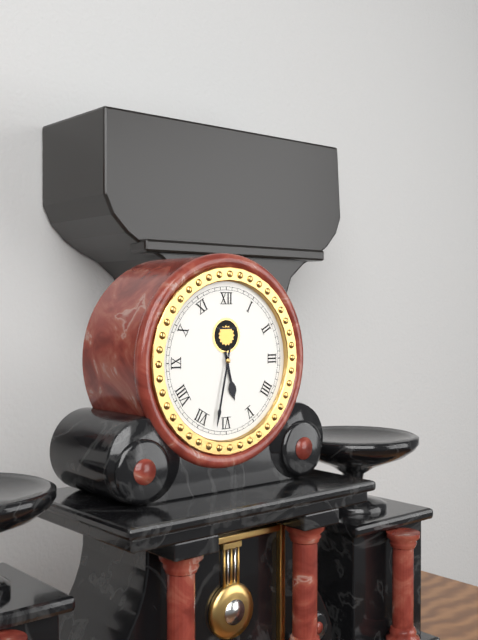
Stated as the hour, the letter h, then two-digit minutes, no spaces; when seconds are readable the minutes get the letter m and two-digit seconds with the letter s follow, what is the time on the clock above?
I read 5h32
